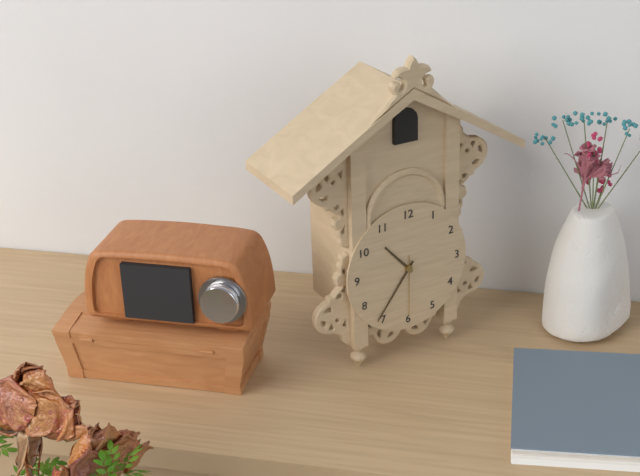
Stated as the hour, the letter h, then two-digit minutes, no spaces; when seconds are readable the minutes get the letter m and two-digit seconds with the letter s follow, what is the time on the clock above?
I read 10h36m30s
